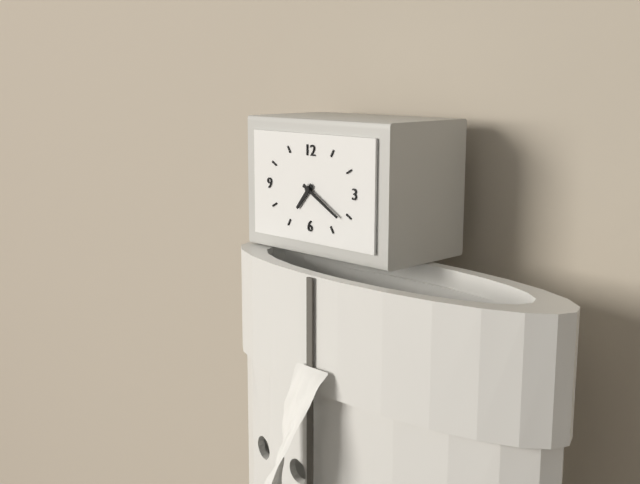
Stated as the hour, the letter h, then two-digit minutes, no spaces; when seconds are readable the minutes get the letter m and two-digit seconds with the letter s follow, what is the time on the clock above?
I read 7h20
